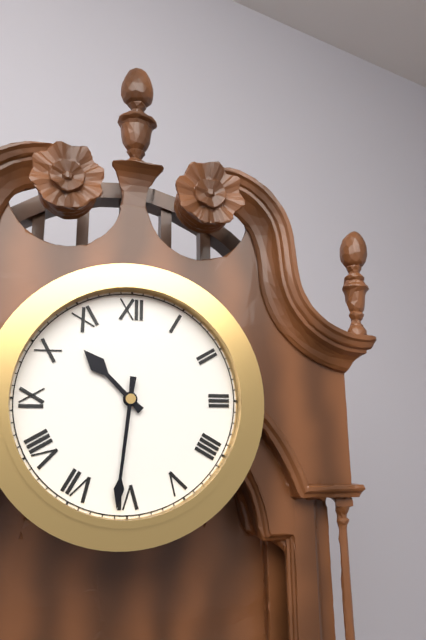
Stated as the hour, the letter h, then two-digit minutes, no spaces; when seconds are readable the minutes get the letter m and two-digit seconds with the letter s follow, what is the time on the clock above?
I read 10h31
